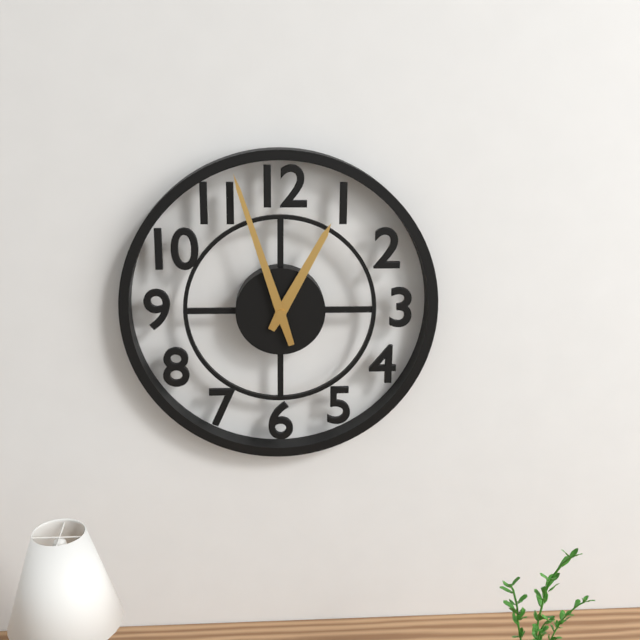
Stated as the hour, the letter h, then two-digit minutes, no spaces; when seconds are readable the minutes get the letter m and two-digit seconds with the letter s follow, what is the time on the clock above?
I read 12h57
